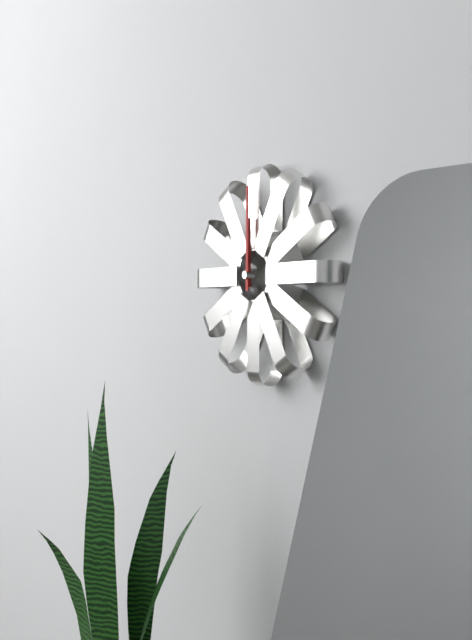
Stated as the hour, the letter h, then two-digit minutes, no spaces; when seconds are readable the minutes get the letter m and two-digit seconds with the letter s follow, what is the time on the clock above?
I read 12h00
